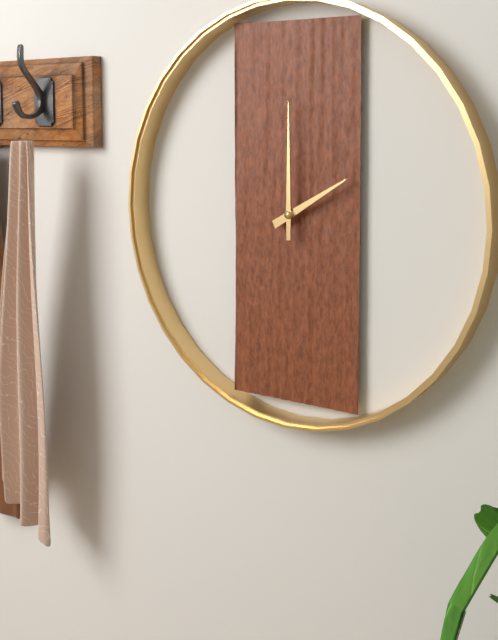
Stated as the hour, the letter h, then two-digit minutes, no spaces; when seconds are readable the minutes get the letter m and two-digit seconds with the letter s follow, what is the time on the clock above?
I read 2h00
